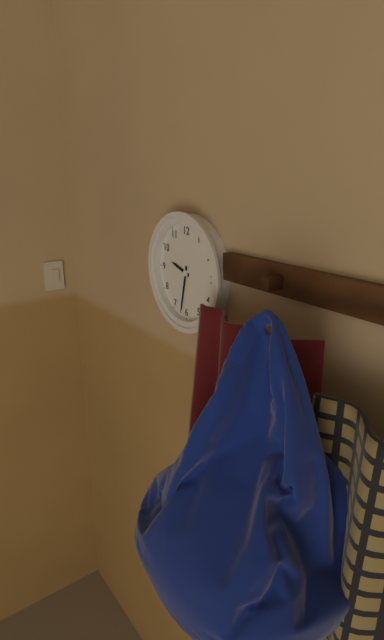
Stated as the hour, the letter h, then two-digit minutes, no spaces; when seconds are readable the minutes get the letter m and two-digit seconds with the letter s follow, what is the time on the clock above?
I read 9h32
